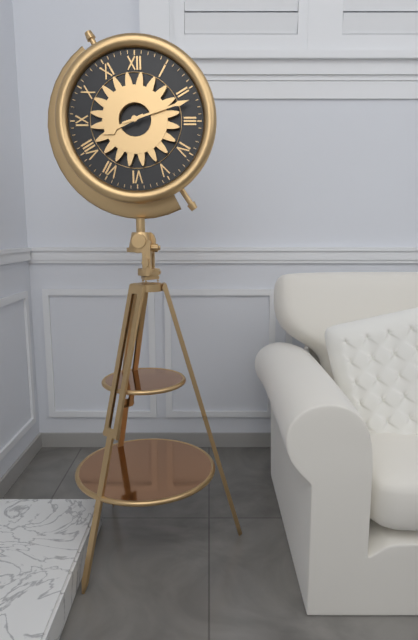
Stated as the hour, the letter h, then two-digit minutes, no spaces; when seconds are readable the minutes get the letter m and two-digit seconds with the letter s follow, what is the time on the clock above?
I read 8h12
